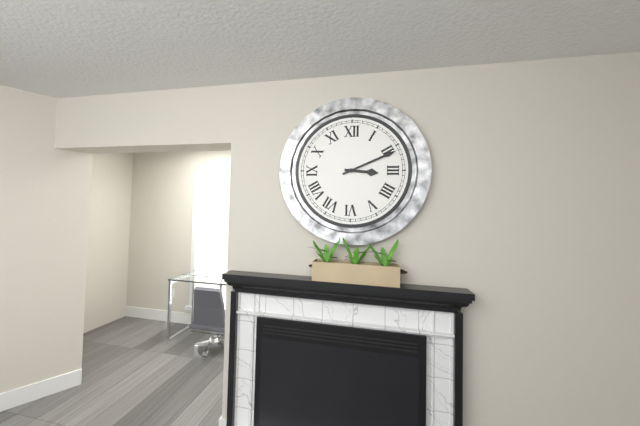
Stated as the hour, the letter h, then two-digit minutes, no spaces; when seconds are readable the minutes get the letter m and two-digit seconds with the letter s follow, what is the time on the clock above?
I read 3h11
